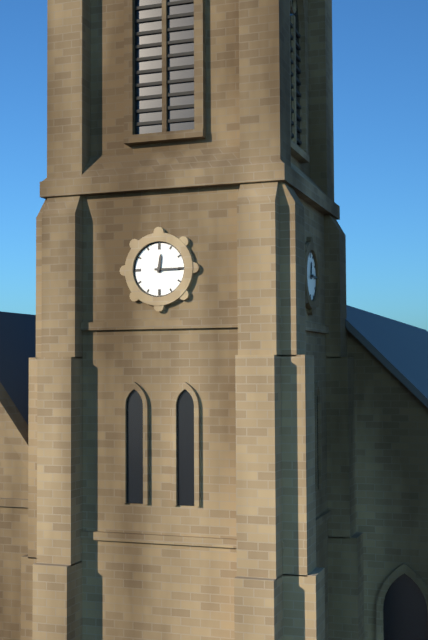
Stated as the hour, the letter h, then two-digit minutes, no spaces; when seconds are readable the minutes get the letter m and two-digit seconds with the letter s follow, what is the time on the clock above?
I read 12h15
